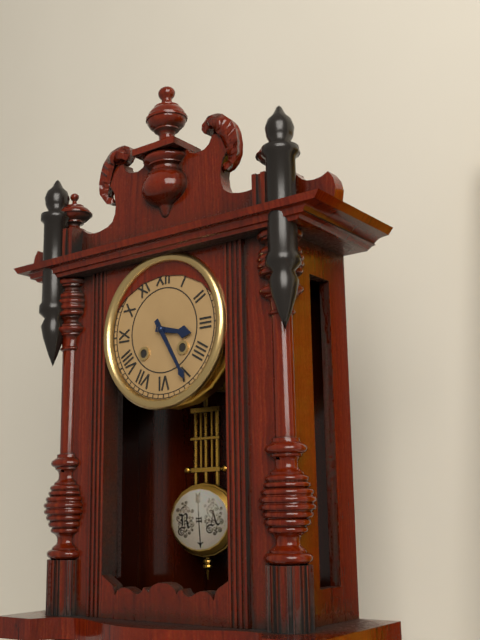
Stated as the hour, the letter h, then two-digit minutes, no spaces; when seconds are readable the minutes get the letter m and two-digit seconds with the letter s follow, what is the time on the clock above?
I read 3h25
